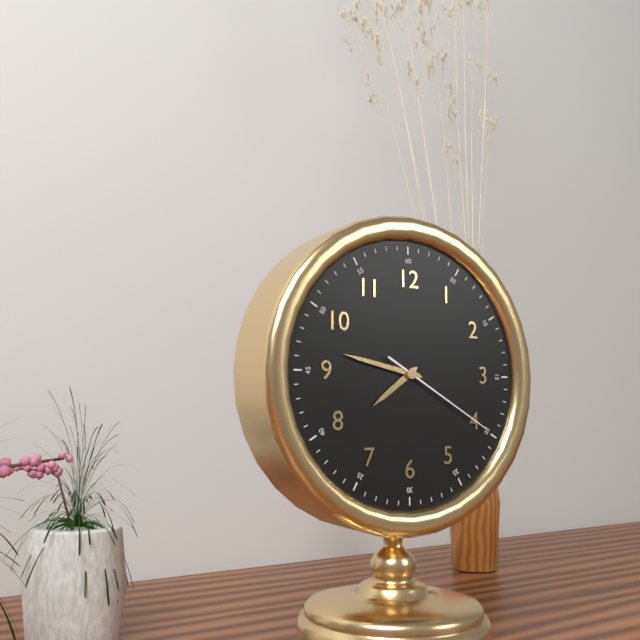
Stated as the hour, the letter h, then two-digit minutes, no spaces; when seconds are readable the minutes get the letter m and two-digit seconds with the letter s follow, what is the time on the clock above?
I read 7h47m20s
